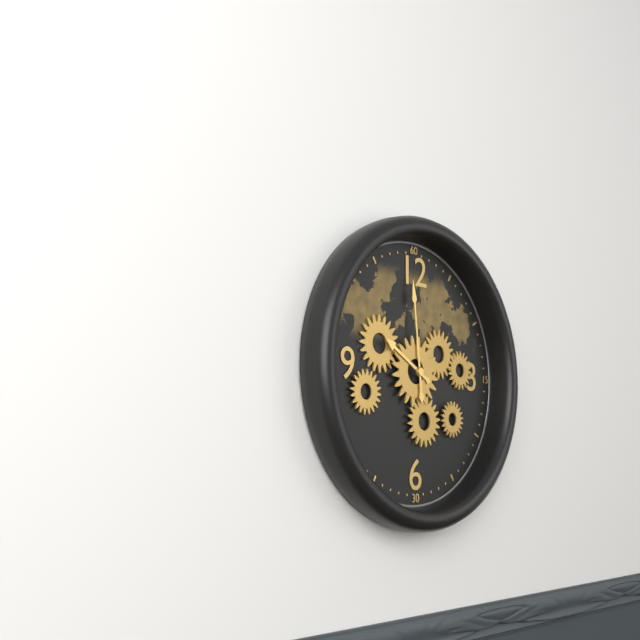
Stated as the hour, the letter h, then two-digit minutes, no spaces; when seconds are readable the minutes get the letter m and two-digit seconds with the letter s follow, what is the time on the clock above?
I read 9h59
